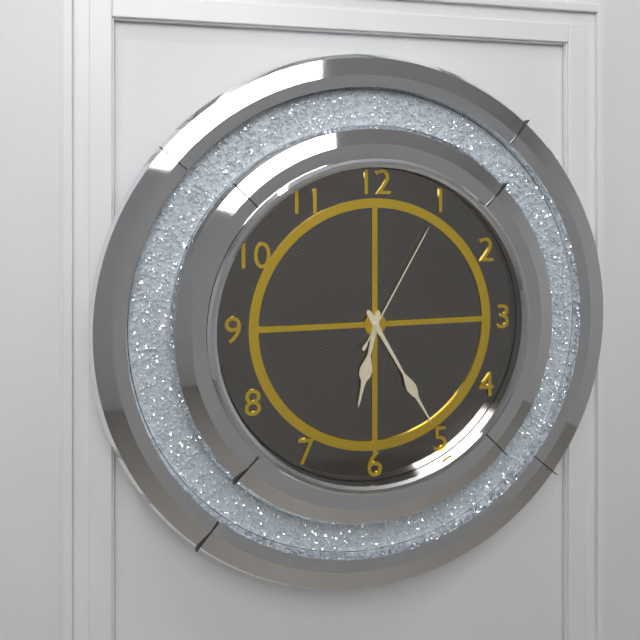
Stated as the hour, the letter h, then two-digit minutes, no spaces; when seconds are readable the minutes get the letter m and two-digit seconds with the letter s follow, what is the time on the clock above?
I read 6h25m05s
